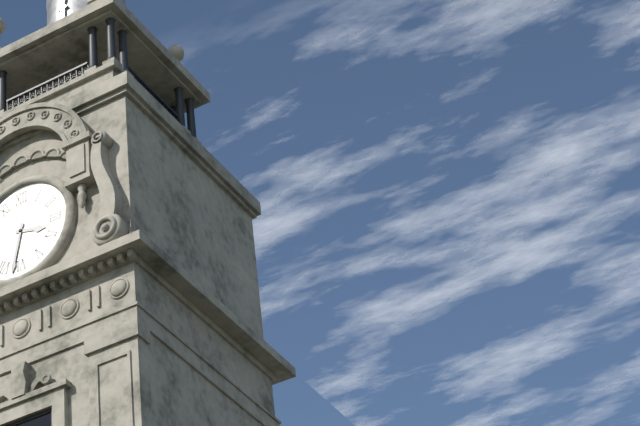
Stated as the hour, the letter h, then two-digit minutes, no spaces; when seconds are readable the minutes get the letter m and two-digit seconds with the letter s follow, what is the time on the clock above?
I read 3h32
